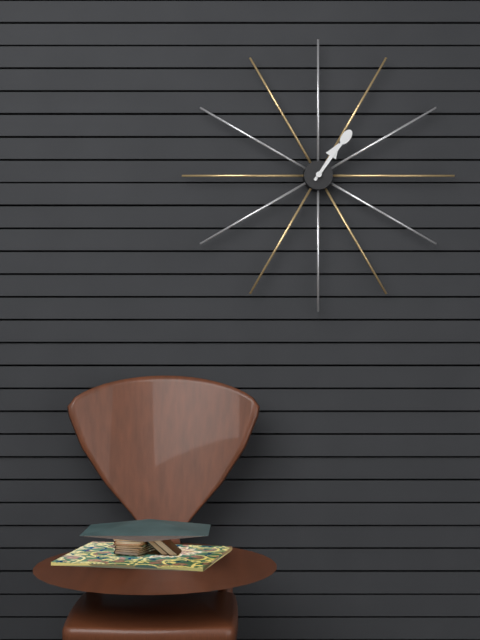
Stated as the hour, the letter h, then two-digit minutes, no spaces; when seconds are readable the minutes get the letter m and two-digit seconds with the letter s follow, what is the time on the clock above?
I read 1h06
